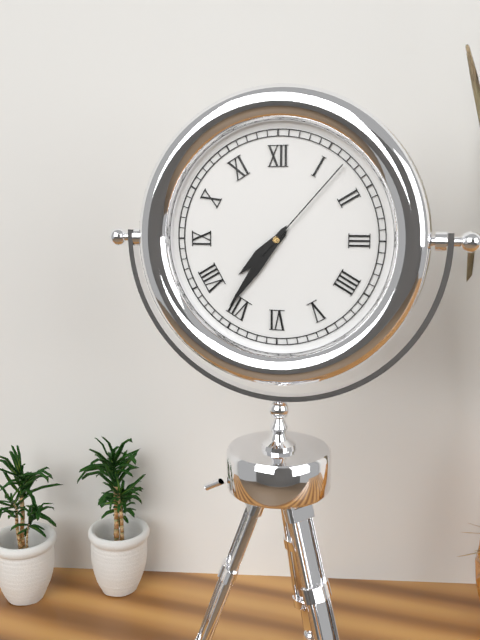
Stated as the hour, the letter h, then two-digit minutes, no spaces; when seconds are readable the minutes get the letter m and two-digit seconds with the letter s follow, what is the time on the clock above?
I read 7h36m07s
